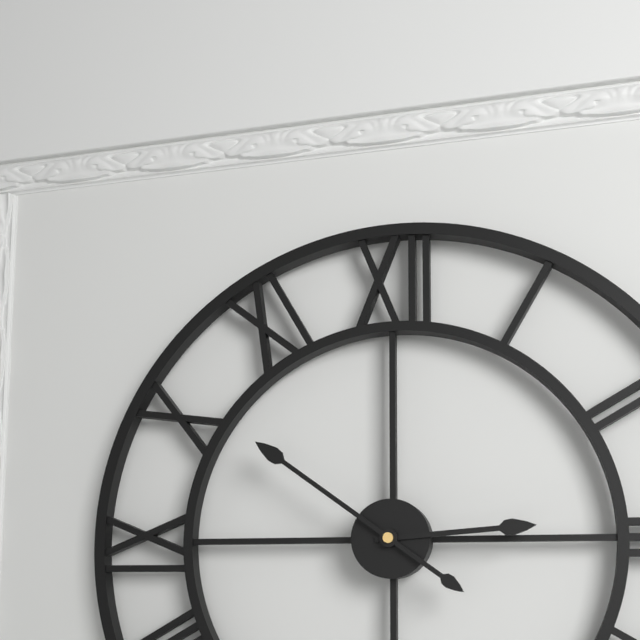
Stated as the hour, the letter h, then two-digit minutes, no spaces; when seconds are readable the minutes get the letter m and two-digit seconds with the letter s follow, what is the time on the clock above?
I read 2h51
